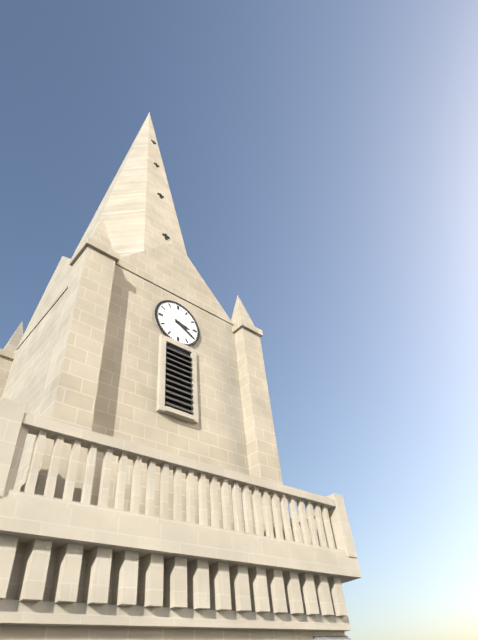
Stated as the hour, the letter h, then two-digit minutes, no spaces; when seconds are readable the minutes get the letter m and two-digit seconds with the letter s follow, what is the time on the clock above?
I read 3h20
